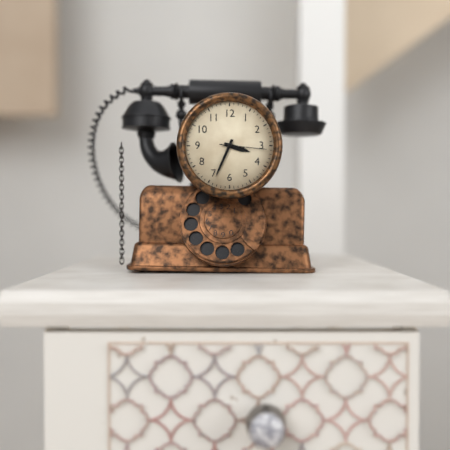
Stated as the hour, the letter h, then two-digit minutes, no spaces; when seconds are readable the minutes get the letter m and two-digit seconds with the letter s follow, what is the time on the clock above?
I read 3h34
